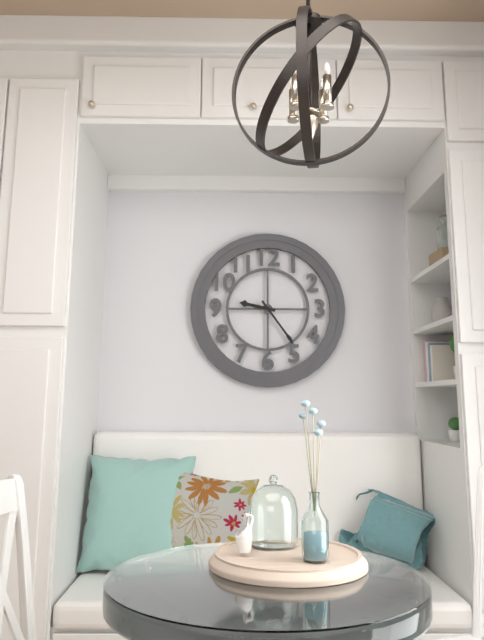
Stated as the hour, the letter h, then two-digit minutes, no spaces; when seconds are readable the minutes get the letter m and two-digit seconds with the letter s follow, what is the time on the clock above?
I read 9h24
